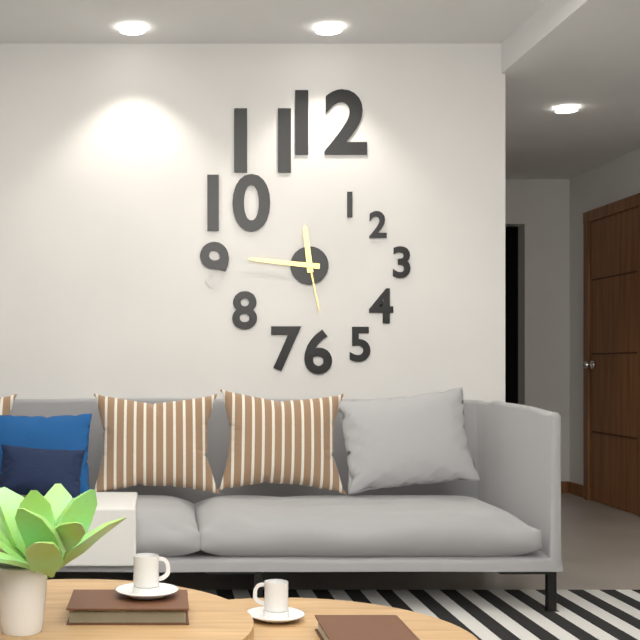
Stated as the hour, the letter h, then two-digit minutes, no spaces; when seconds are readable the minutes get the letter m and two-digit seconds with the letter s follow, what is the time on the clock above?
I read 11h46m28s
